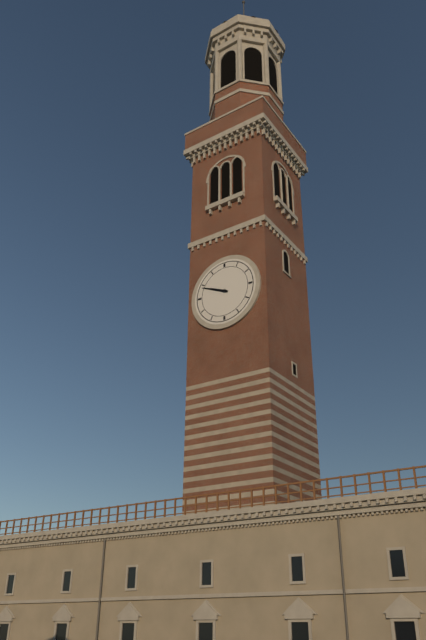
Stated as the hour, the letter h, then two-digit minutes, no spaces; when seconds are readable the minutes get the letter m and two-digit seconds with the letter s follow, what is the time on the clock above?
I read 9h49
